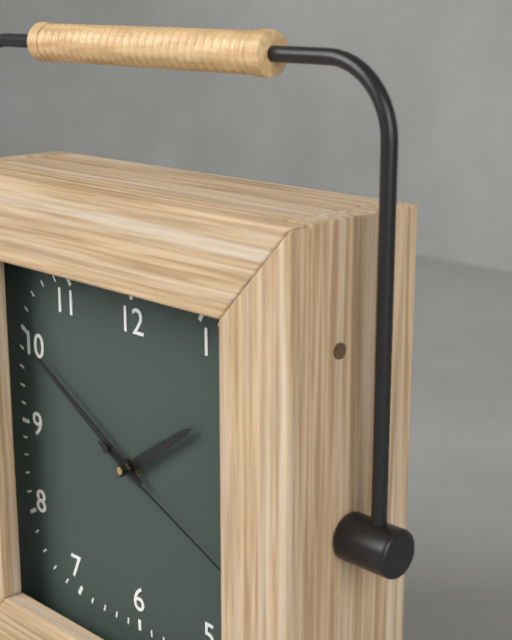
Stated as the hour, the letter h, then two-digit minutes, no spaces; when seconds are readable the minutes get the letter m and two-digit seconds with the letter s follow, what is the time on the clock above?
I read 1h50m19s
